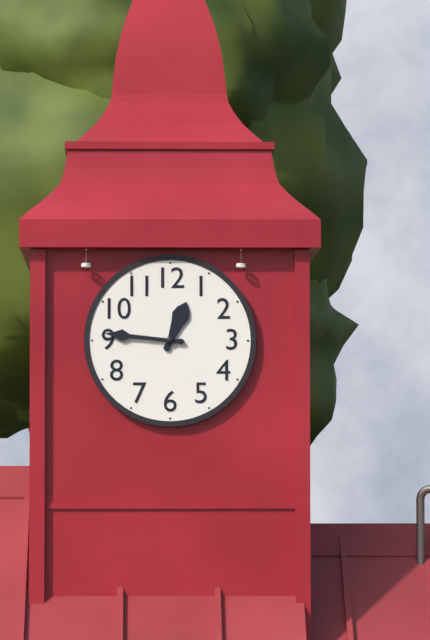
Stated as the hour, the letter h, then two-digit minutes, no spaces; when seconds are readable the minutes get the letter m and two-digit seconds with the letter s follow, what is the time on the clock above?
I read 12h46
